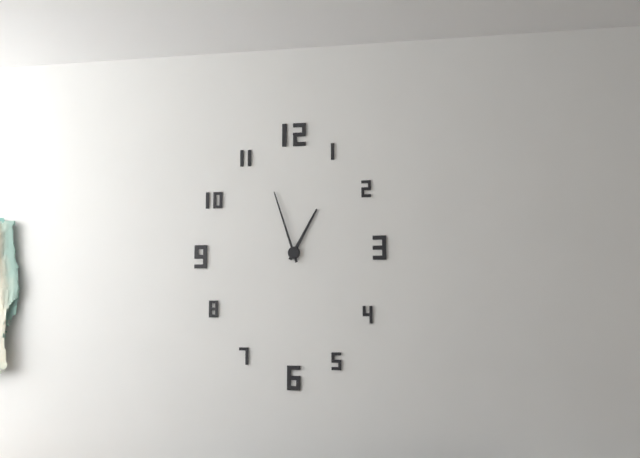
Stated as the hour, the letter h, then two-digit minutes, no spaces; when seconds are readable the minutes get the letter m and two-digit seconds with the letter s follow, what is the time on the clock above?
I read 12h57
